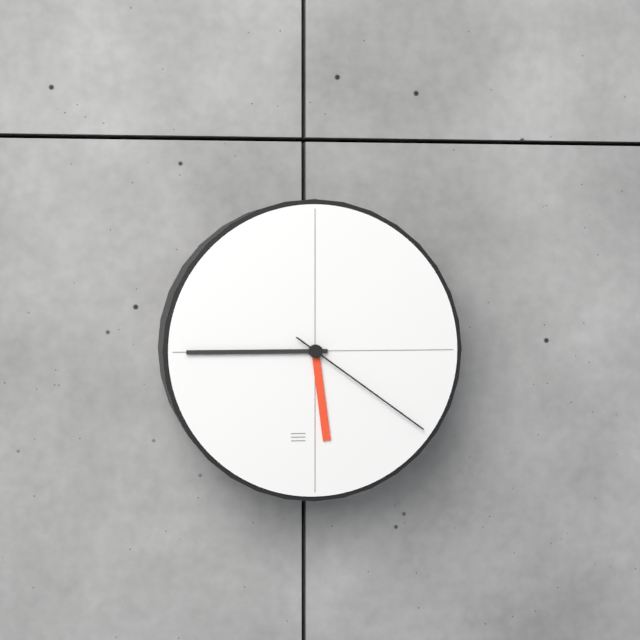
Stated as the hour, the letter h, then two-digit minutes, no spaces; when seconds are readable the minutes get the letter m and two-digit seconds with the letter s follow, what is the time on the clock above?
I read 5h45m21s
